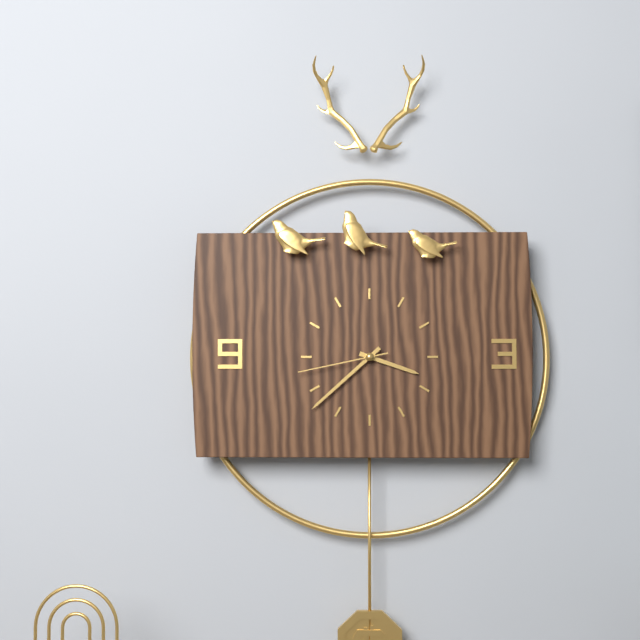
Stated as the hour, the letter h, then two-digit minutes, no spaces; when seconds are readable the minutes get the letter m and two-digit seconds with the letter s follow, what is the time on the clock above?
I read 3h38m43s
